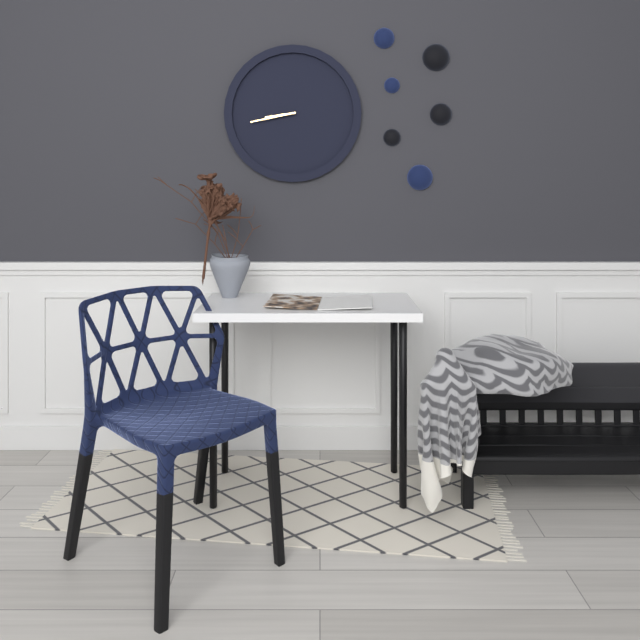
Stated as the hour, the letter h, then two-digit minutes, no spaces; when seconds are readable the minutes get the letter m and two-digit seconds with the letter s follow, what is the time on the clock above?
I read 8h43
